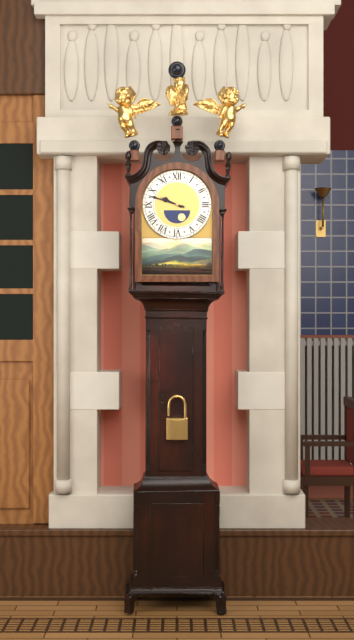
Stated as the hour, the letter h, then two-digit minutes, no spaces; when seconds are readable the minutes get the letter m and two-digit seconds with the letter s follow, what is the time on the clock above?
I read 9h48
